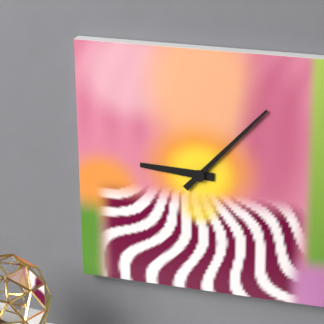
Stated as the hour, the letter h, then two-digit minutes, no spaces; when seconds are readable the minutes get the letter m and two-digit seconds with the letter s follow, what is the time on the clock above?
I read 9h07
